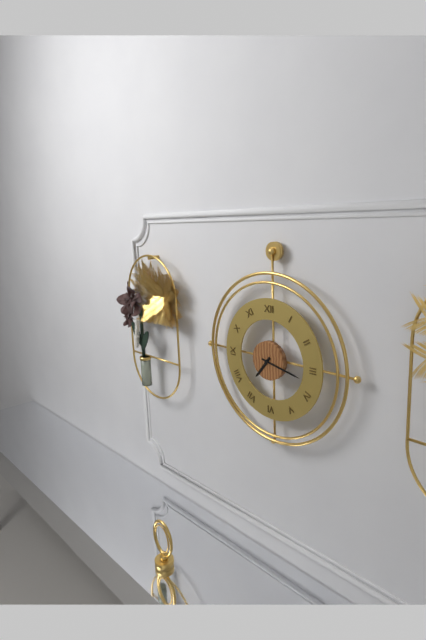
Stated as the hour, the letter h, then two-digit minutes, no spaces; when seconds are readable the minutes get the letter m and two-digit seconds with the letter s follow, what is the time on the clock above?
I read 7h17
